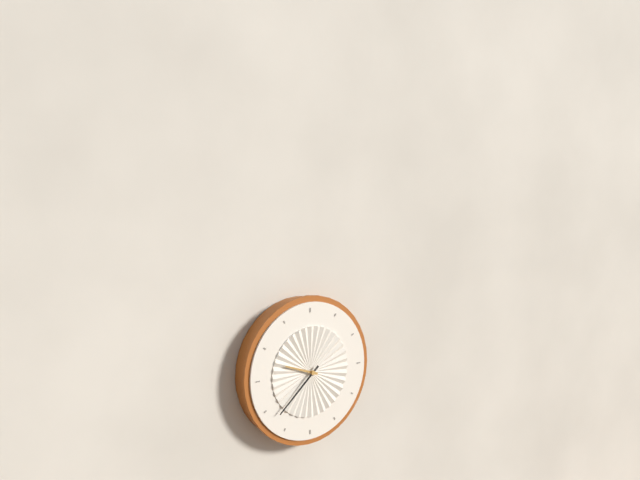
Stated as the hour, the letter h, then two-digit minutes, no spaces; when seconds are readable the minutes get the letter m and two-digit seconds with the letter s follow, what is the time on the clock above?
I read 9h38
